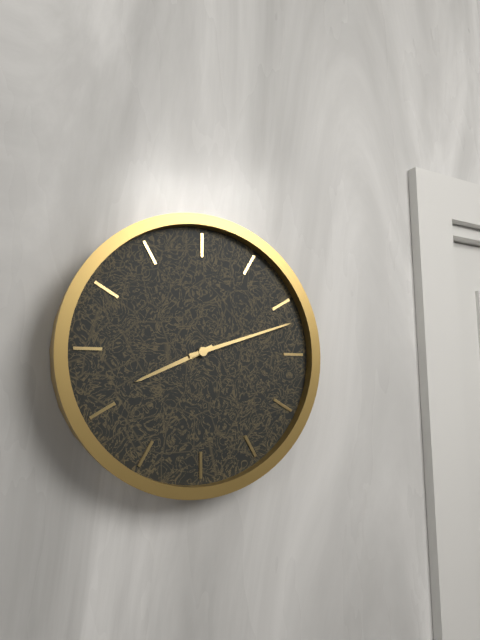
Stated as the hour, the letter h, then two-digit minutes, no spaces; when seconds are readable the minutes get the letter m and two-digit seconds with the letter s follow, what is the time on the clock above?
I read 8h12
